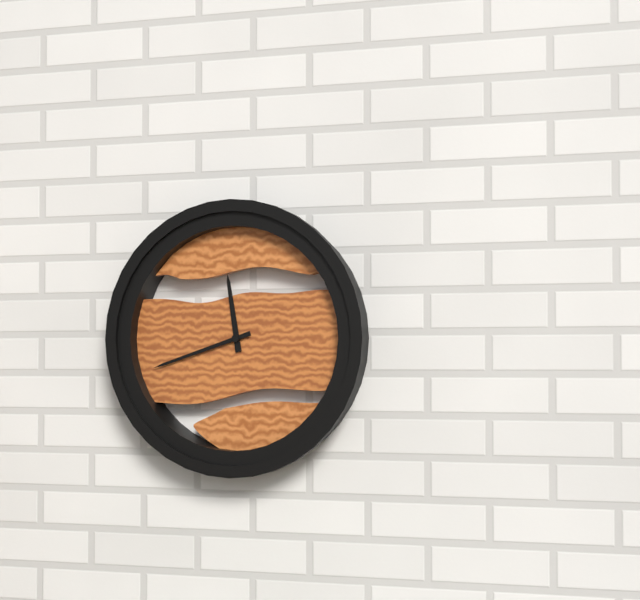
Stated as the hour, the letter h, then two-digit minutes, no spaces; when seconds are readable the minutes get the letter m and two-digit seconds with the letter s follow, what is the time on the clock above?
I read 11h42
